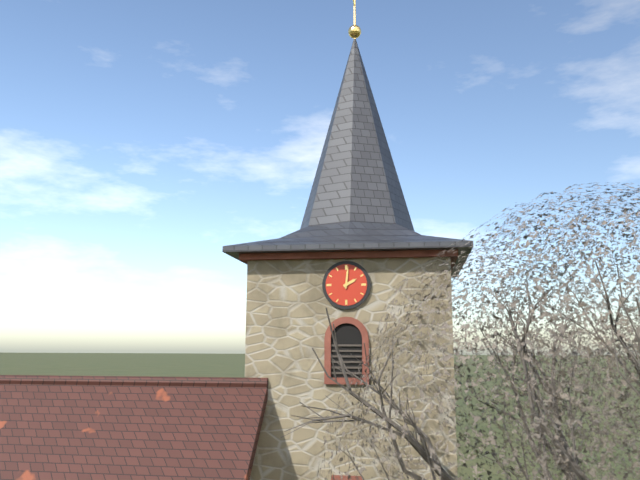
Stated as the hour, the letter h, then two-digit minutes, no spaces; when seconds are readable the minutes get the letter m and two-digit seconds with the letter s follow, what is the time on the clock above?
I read 2h01
